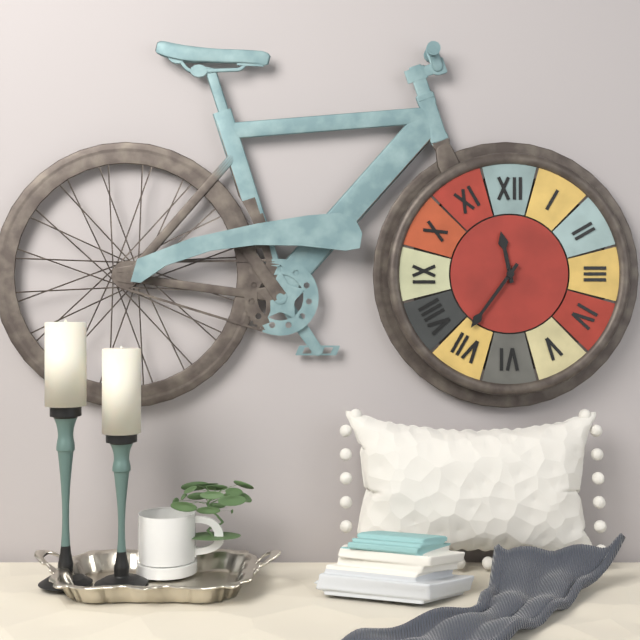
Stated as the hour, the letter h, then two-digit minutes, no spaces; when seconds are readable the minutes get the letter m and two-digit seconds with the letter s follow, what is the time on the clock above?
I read 11h36
